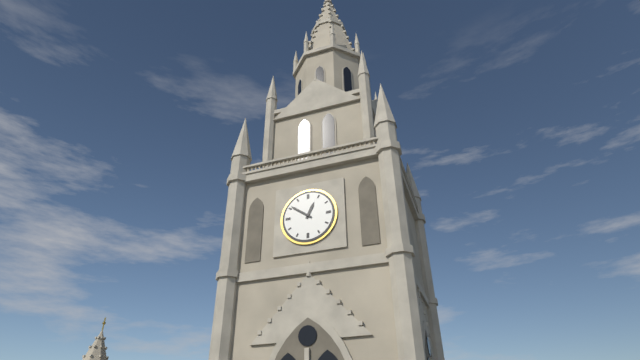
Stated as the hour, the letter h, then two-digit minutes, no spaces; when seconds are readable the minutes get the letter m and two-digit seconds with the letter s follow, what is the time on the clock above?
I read 12h51
